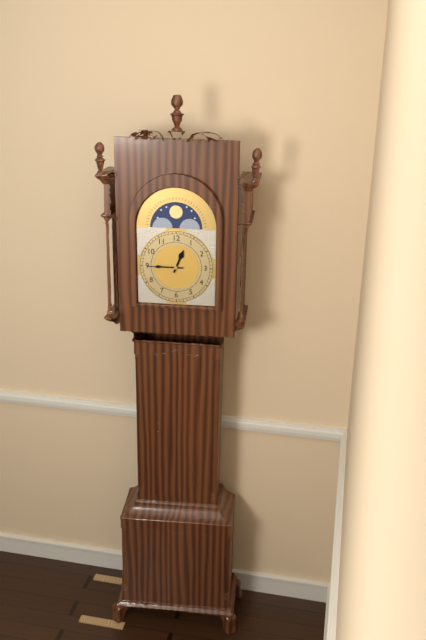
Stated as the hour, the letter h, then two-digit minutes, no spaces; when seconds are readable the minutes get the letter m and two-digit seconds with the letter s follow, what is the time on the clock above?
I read 12h45
